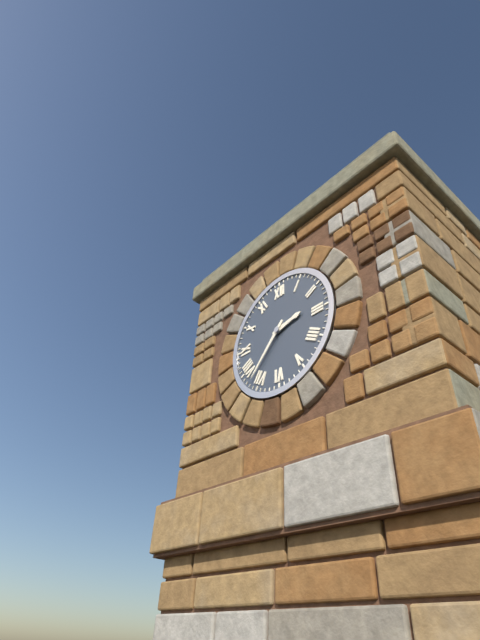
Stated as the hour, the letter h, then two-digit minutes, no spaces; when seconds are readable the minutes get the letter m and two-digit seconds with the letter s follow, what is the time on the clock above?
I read 2h37
